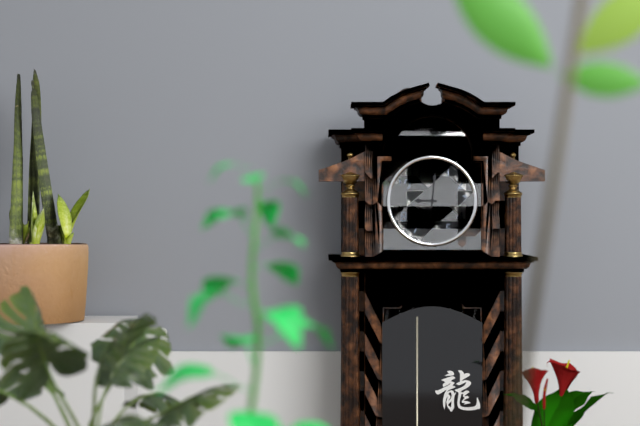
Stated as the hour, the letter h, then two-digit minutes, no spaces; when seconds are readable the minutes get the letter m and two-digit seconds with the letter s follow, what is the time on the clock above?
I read 9h01
